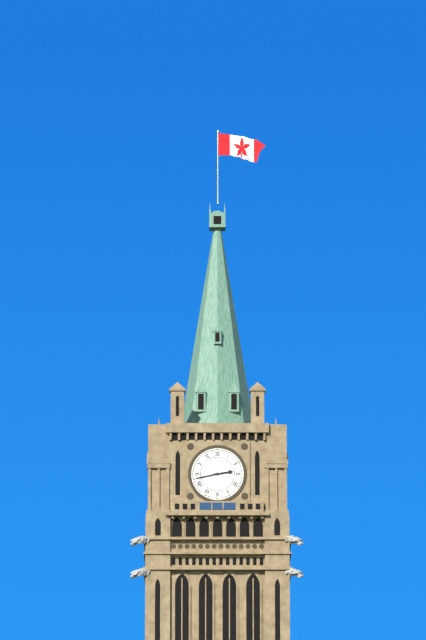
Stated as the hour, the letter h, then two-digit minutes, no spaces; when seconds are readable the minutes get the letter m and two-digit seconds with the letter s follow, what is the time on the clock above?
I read 2h43
